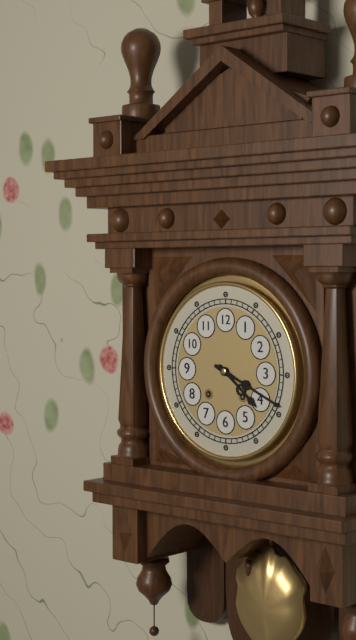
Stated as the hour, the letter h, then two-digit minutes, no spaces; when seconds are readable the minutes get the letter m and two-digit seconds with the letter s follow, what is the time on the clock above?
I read 4h19
